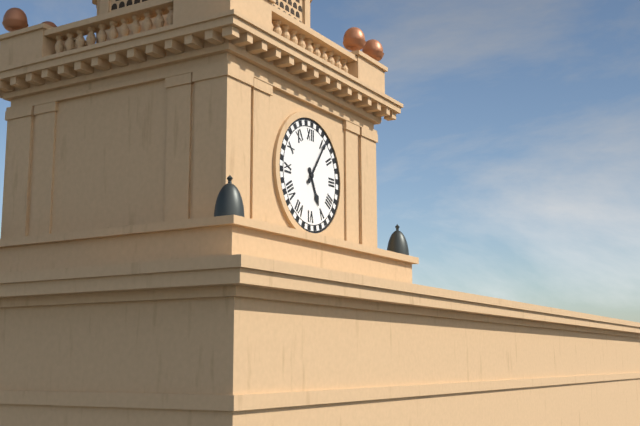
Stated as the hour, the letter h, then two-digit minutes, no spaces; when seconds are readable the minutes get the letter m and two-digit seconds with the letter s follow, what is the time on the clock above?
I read 5h06
